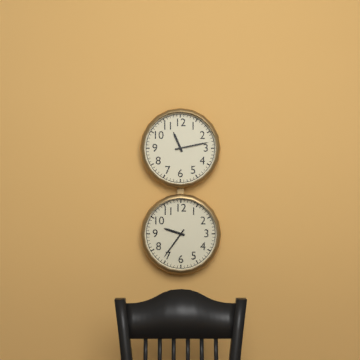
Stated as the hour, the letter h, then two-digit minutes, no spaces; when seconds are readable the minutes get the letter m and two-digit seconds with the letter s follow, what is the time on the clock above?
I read 11h13
